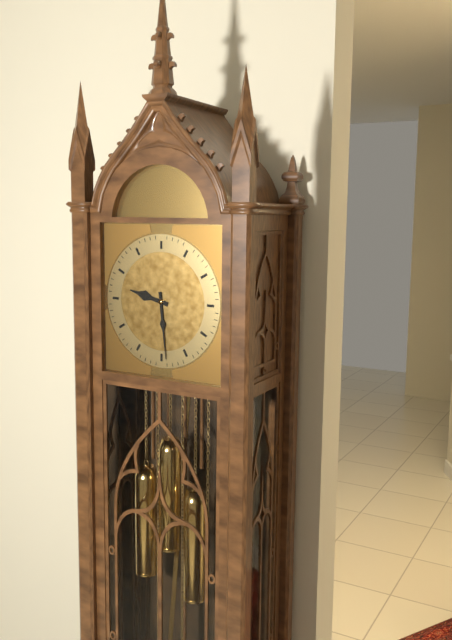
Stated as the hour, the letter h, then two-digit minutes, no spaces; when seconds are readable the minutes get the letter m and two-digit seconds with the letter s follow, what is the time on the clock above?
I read 9h29
